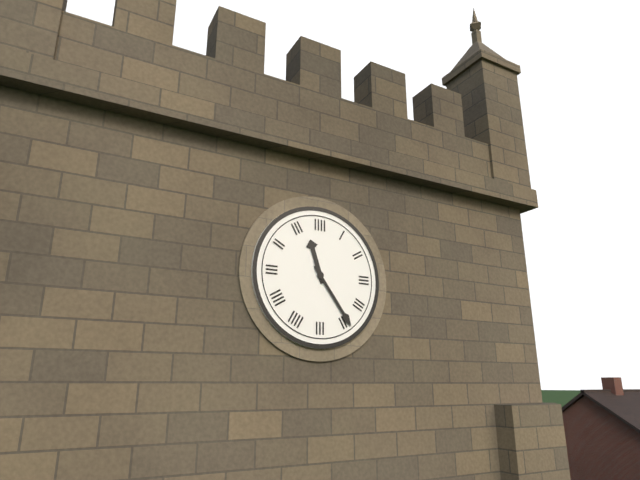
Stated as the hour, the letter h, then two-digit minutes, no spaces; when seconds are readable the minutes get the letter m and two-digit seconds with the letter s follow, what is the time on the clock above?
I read 11h24
